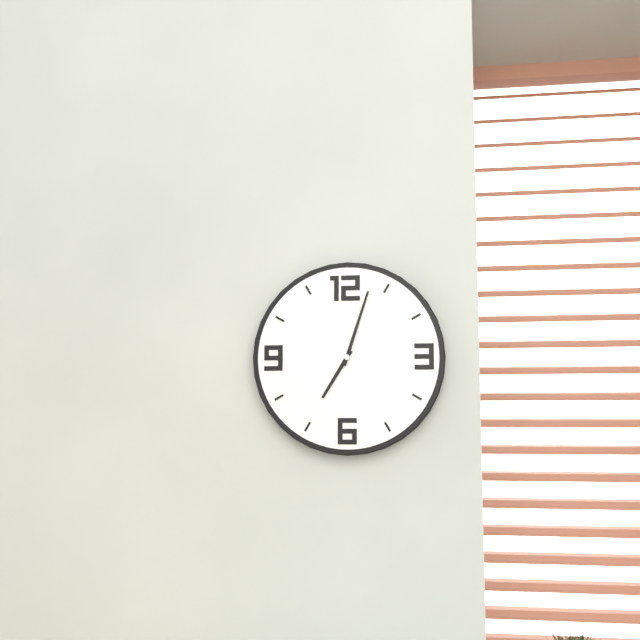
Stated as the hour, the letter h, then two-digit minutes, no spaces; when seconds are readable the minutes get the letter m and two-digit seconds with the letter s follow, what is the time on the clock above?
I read 7h03
